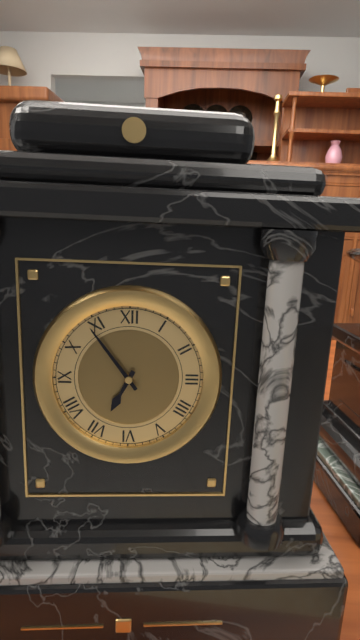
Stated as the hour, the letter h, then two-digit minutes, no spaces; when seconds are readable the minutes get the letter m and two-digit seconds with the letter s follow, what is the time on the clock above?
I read 6h54
